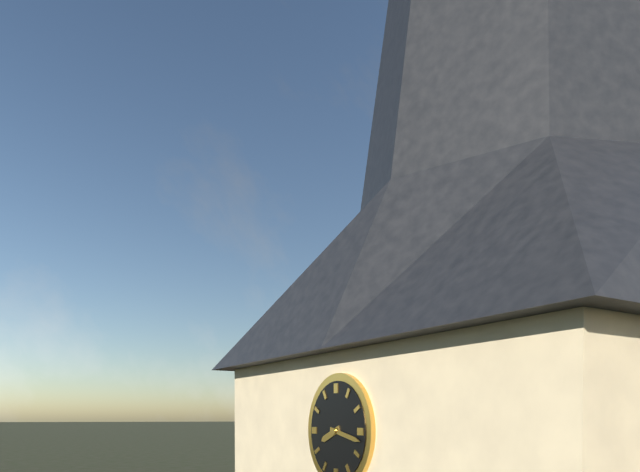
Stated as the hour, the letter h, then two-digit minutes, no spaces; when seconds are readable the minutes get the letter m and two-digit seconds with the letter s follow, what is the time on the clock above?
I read 8h17
